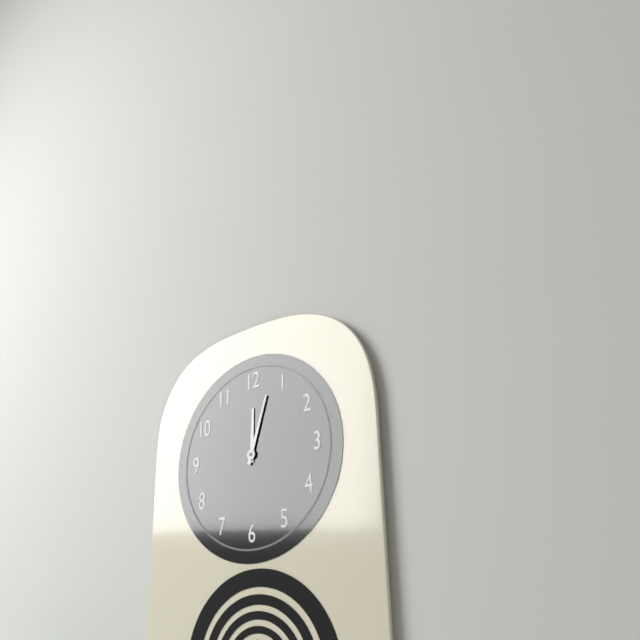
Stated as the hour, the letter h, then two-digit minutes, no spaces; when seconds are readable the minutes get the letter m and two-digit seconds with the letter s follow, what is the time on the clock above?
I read 12h03
